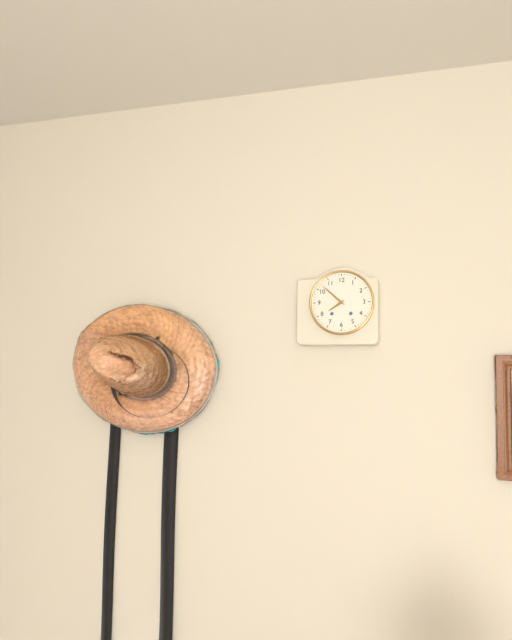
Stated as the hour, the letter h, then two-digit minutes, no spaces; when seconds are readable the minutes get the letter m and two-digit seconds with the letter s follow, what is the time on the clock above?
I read 7h52
